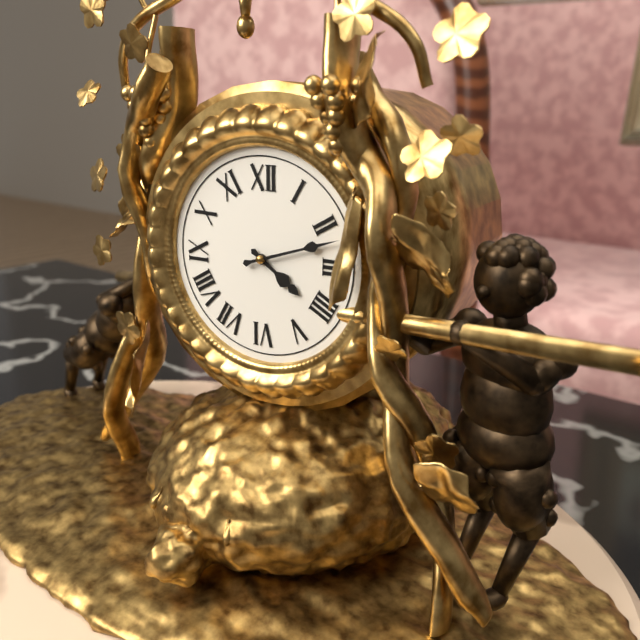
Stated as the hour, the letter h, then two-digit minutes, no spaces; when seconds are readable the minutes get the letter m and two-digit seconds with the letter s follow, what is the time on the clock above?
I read 4h12
